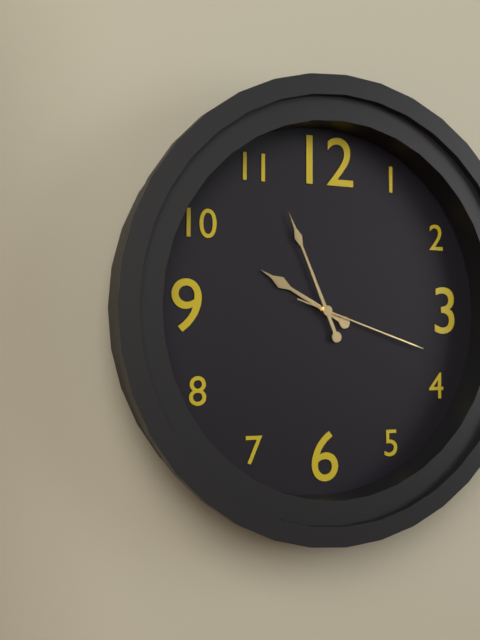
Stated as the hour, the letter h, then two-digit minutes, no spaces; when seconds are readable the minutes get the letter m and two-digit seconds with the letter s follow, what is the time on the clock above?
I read 9h56m18s
